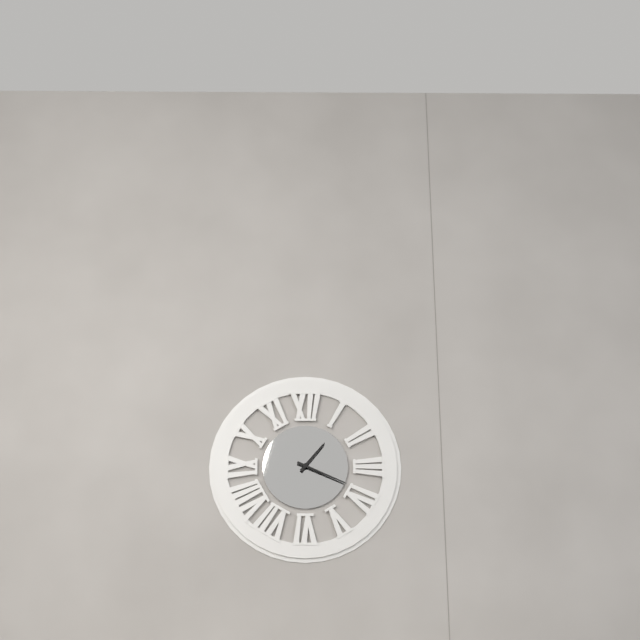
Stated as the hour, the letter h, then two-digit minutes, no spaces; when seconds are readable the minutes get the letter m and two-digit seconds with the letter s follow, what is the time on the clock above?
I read 1h19
